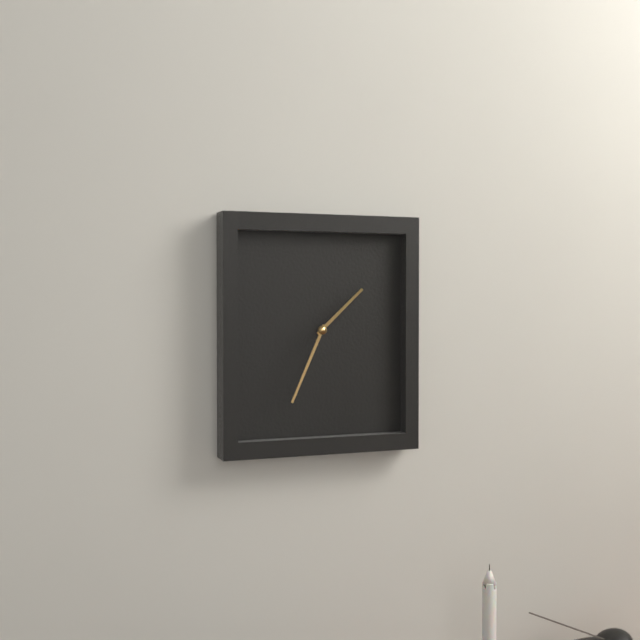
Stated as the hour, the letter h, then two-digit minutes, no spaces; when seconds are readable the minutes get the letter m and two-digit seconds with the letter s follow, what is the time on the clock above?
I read 1h34
